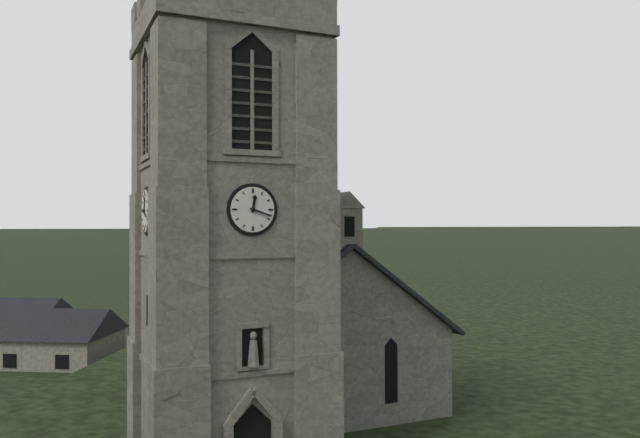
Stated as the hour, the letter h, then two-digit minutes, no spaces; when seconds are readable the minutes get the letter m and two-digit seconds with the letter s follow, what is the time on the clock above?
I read 12h18
